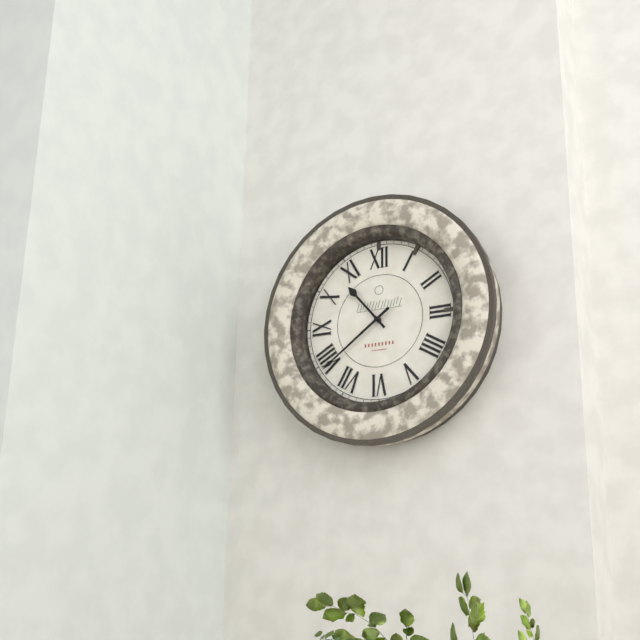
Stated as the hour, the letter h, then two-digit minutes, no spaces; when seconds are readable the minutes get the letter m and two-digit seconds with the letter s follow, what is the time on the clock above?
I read 10h39
